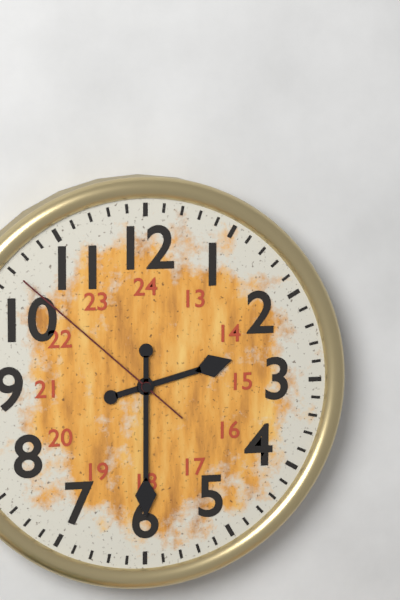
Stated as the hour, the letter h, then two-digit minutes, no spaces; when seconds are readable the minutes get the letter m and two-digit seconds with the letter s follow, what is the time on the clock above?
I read 2h30m52s
